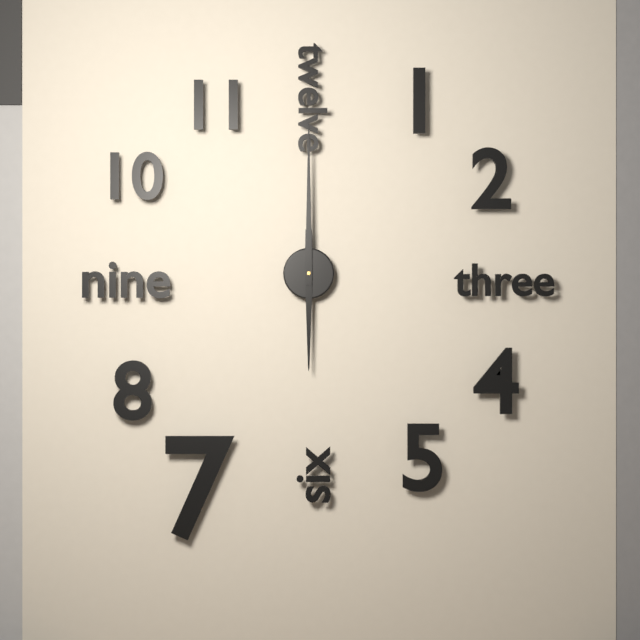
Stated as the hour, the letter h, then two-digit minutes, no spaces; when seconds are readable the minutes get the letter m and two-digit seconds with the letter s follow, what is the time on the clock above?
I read 6h00
